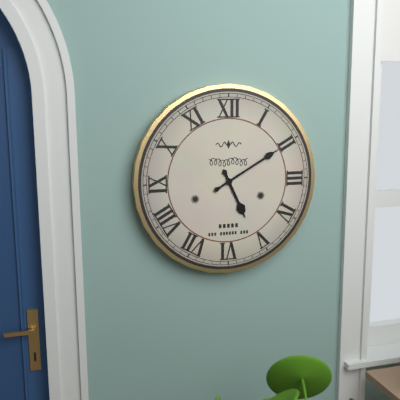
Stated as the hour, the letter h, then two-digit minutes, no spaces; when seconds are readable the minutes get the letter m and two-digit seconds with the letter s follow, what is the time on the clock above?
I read 5h10
